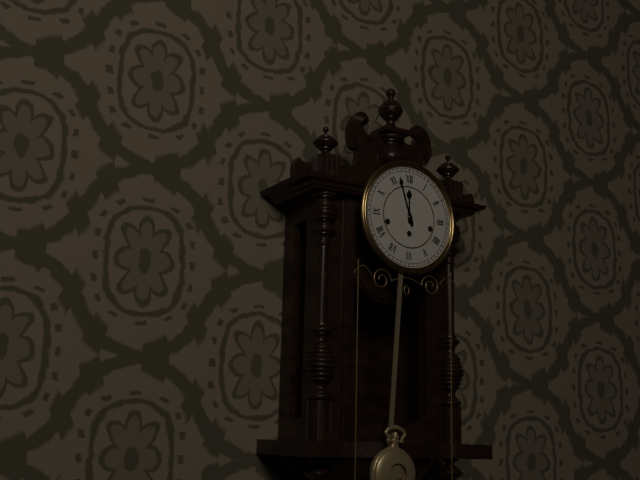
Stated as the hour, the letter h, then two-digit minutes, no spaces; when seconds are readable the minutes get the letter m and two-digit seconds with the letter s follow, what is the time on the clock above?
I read 11h57
